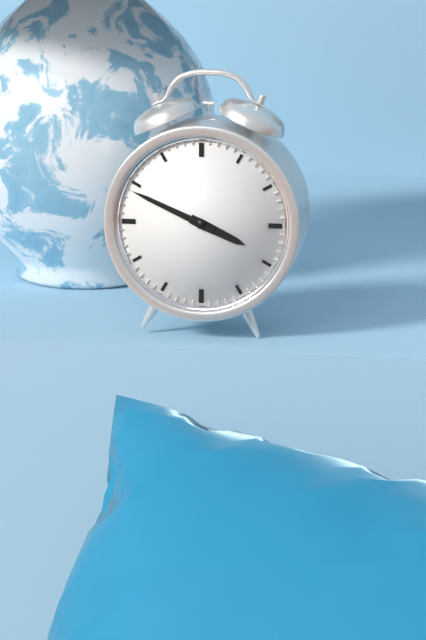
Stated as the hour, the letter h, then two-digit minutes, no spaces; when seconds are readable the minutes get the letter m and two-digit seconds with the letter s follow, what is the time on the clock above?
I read 3h49
